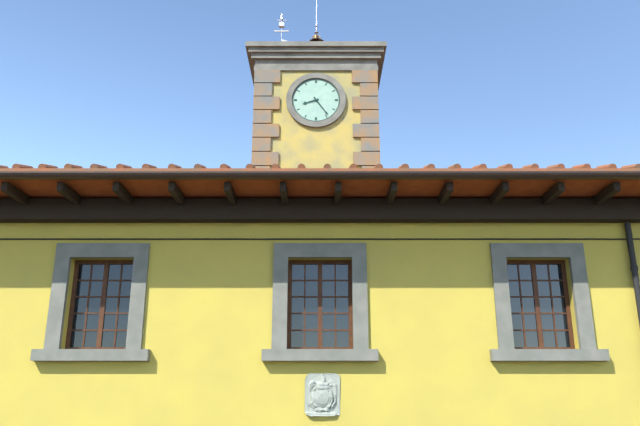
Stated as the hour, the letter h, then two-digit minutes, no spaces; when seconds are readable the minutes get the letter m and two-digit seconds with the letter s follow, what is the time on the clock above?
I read 8h24
